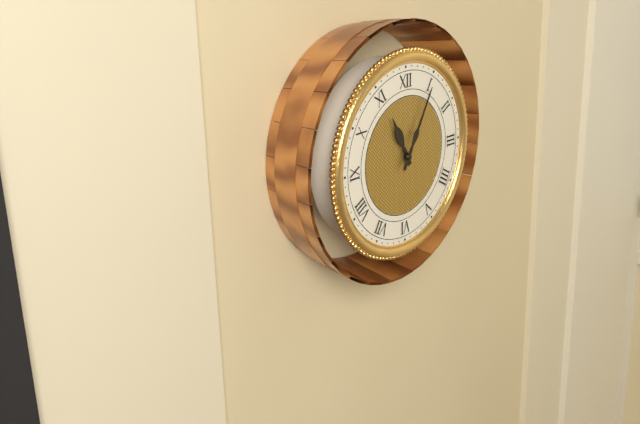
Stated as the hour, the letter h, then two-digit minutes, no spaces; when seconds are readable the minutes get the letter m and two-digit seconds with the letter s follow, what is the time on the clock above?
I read 11h05
